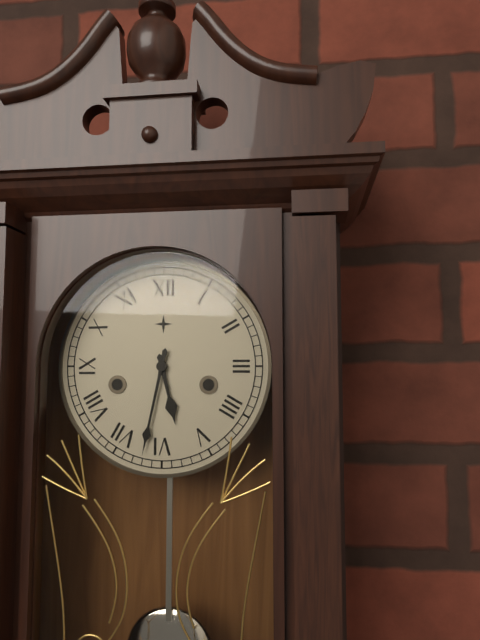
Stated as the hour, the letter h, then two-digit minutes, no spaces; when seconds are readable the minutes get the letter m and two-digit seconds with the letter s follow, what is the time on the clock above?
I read 5h32
